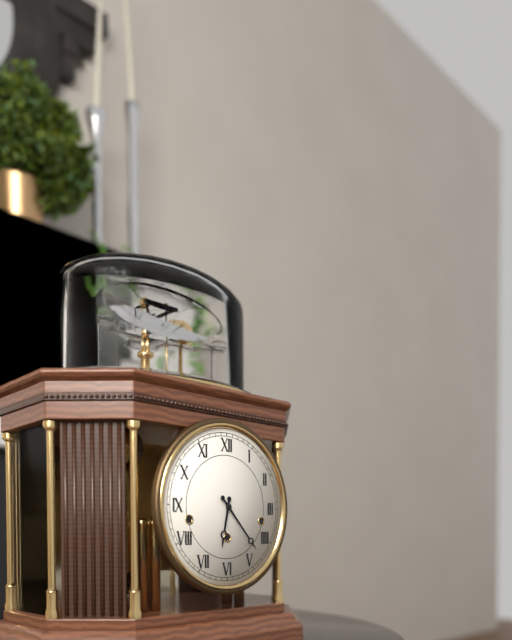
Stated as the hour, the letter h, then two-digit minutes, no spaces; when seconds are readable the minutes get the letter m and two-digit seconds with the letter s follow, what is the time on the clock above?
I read 6h23
